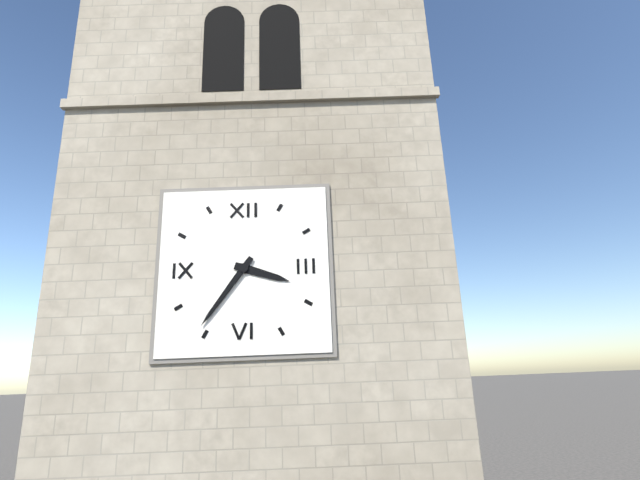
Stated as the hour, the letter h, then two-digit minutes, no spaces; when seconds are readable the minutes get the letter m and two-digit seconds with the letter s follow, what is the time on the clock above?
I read 3h36
